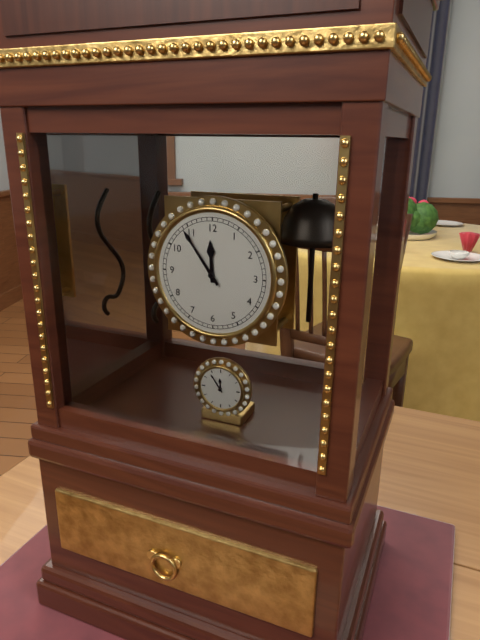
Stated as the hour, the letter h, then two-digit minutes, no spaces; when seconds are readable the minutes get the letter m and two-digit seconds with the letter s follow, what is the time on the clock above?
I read 11h54
